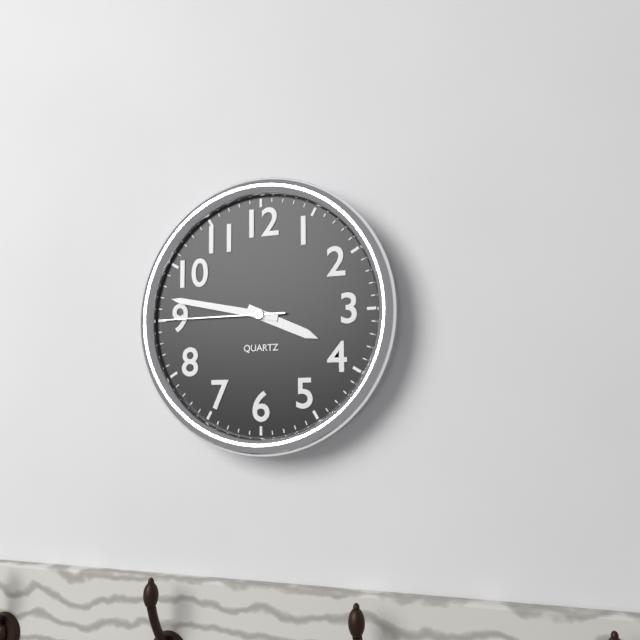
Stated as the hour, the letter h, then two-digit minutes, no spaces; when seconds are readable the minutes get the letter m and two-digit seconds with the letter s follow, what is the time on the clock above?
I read 3h47m45s
